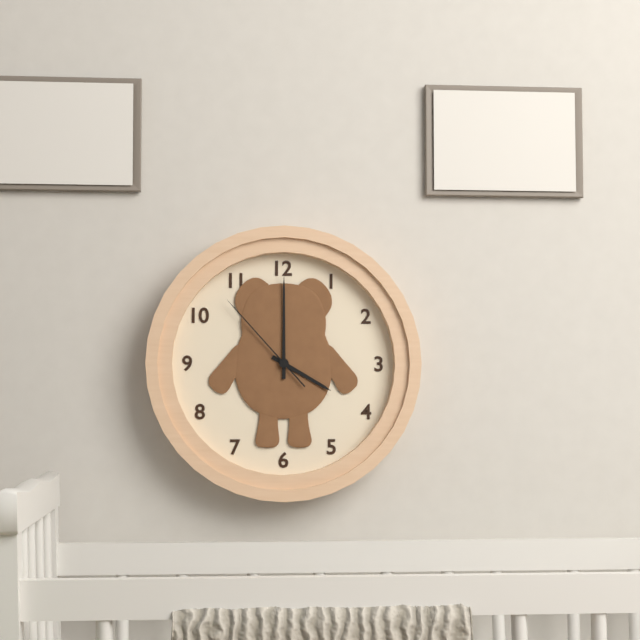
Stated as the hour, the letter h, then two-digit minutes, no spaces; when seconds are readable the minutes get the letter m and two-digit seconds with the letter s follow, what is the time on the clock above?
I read 4h00m53s
